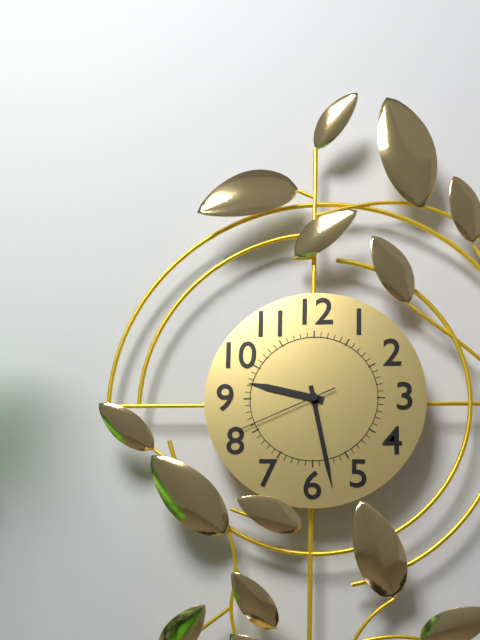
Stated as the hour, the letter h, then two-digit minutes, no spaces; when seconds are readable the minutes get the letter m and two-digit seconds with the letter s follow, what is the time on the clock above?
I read 9h28m41s
